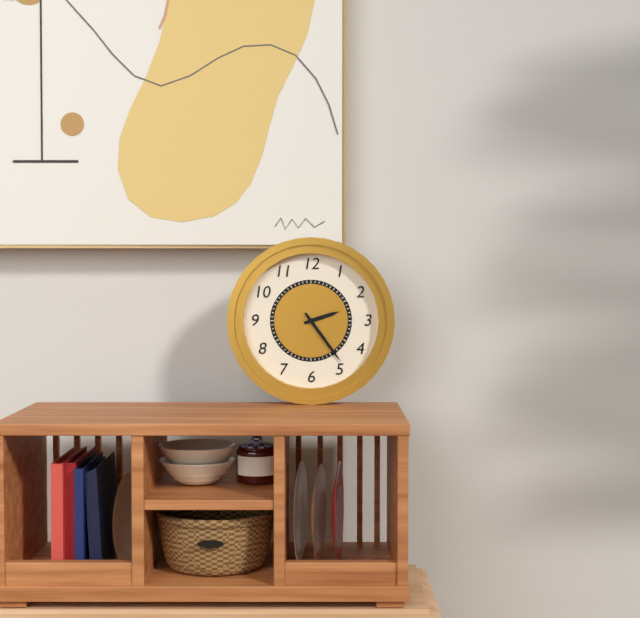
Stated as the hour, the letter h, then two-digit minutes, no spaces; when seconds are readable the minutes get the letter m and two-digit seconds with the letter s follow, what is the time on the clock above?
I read 2h24
